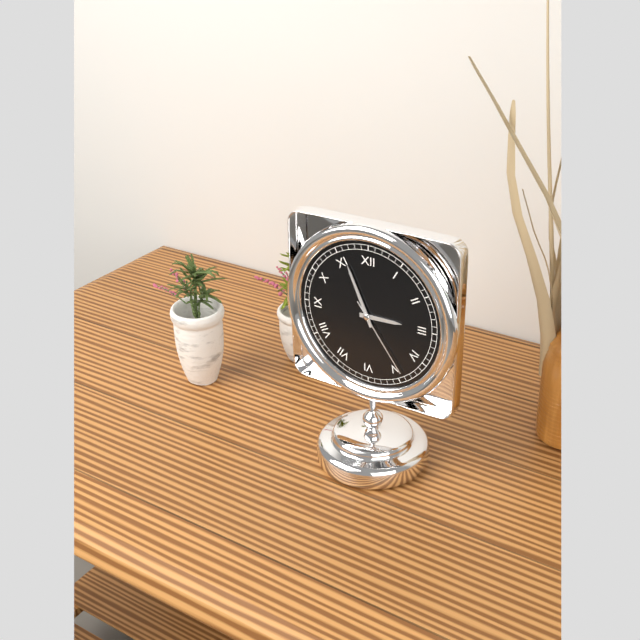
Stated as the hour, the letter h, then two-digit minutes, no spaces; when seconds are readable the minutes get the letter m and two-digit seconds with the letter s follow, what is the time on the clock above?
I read 2h56m24s
